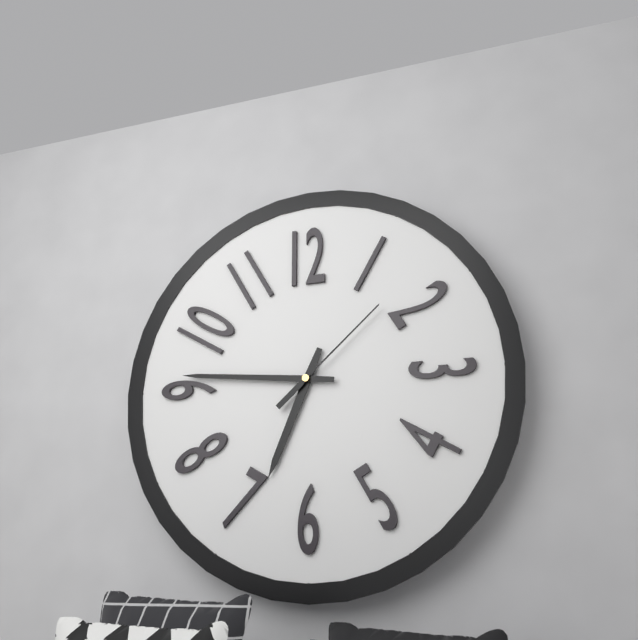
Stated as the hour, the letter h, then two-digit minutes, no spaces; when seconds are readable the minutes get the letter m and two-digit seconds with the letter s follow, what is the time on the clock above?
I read 6h46m08s
